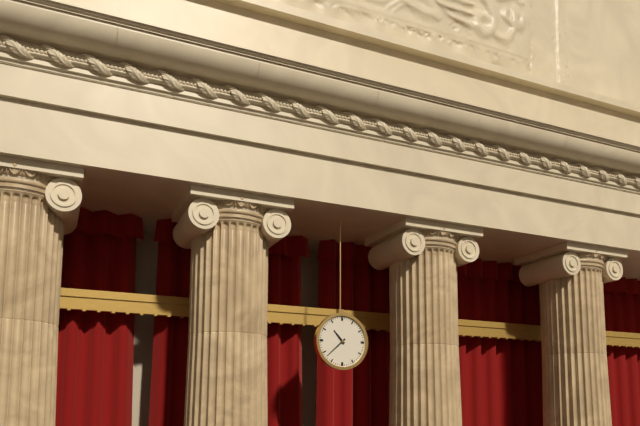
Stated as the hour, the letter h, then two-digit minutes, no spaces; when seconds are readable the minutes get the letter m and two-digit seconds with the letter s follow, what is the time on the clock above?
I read 10h38
